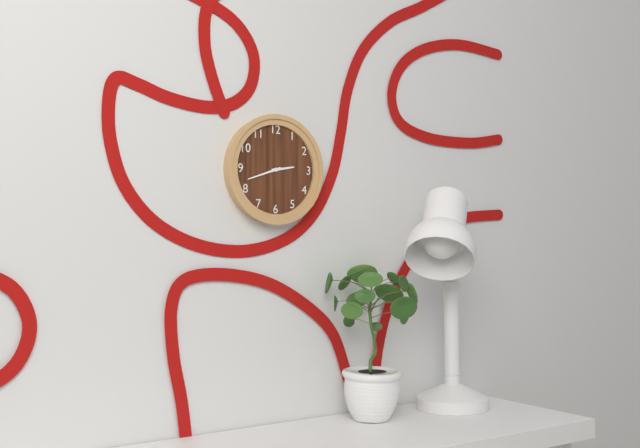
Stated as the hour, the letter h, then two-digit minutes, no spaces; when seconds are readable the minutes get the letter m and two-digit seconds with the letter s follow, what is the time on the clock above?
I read 2h42
